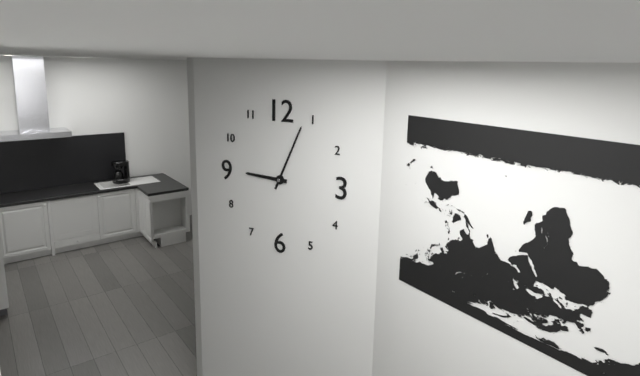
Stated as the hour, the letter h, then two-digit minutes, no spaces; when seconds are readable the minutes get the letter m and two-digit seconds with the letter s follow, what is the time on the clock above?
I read 9h04
